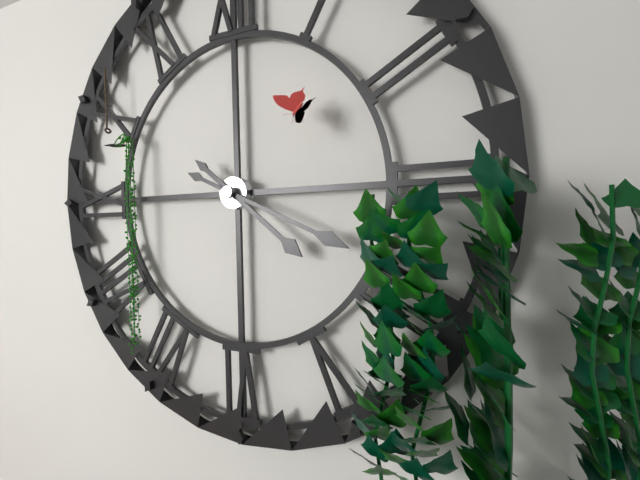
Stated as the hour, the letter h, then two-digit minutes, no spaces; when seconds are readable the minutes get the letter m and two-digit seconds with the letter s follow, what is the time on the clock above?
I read 4h19
